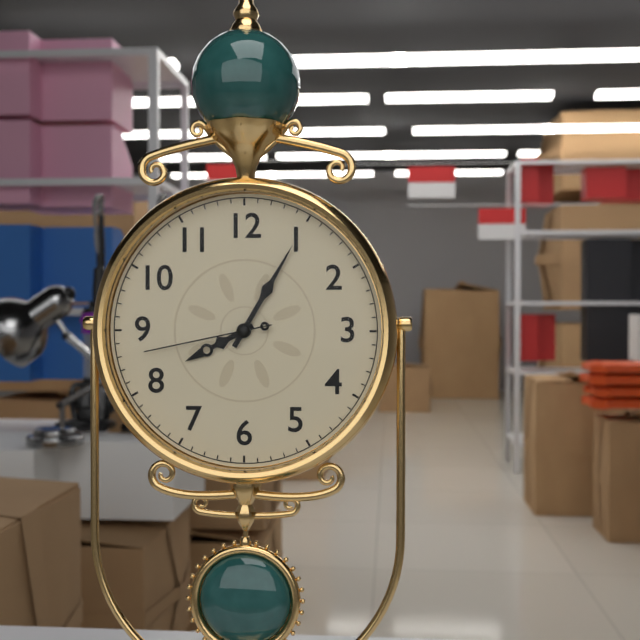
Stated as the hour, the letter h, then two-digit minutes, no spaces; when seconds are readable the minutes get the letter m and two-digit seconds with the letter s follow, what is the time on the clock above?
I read 8h05m43s
